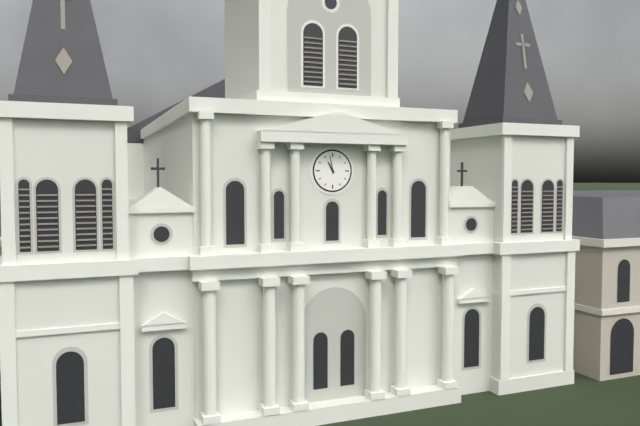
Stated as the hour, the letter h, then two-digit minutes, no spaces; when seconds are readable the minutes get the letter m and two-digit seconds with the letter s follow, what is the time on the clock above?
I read 10h58
